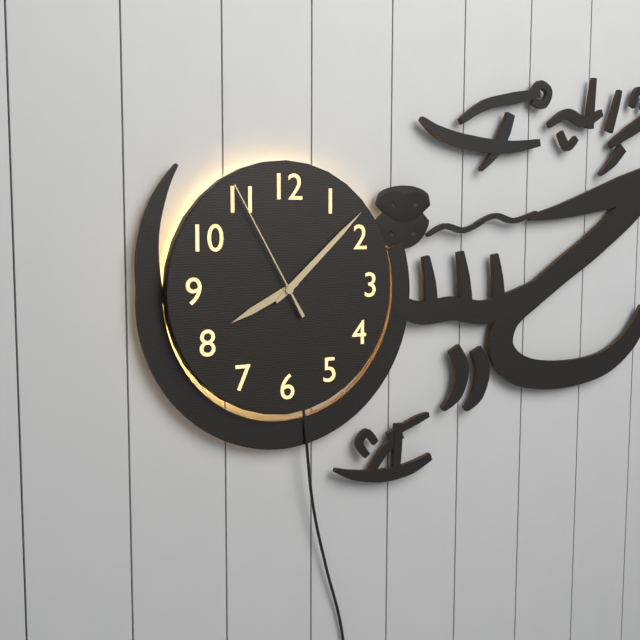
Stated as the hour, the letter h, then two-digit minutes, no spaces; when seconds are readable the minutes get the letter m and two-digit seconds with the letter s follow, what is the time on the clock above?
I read 8h08m55s
